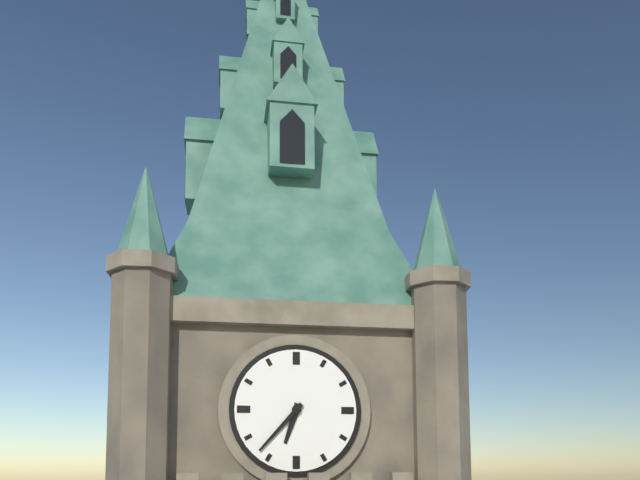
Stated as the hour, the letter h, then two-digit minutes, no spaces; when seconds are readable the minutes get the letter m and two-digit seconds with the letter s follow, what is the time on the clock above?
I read 6h37
